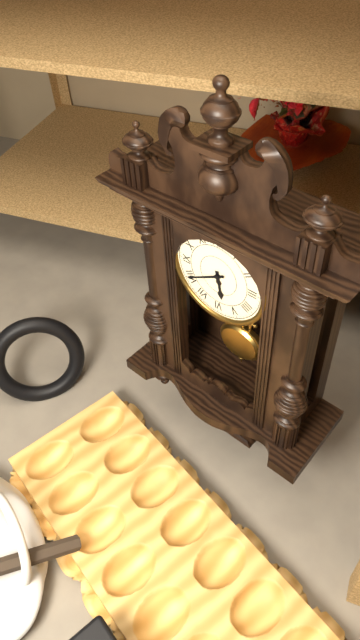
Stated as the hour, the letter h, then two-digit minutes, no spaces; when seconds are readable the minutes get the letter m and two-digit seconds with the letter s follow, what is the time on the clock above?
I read 5h40
